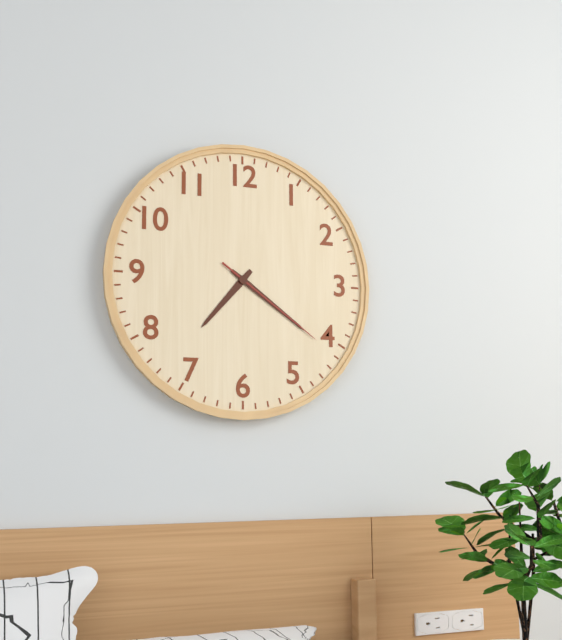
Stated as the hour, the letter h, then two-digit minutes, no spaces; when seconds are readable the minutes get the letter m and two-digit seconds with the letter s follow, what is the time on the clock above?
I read 7h21m21s
